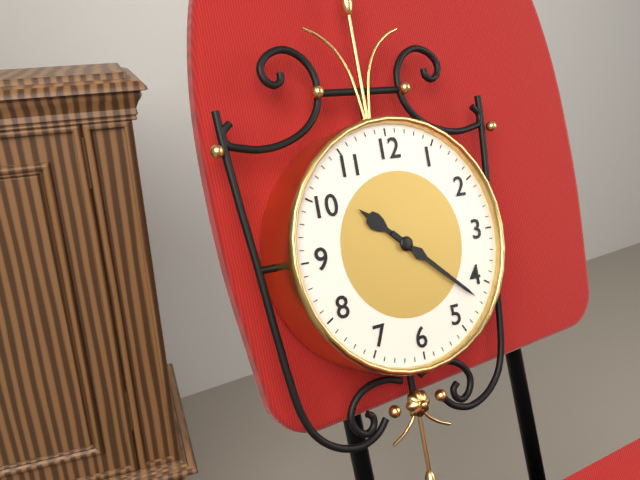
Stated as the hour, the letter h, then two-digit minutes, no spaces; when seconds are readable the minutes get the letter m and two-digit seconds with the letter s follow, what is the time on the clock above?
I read 10h22
